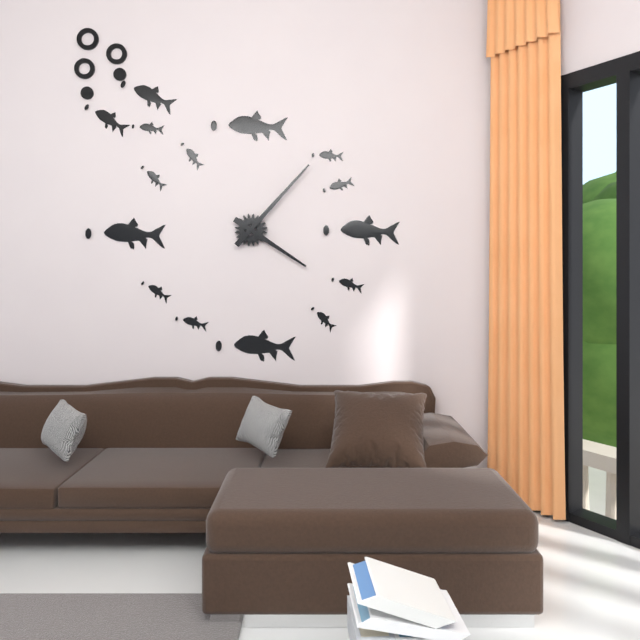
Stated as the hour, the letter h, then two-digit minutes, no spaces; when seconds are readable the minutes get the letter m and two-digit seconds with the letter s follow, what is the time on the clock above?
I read 4h07
